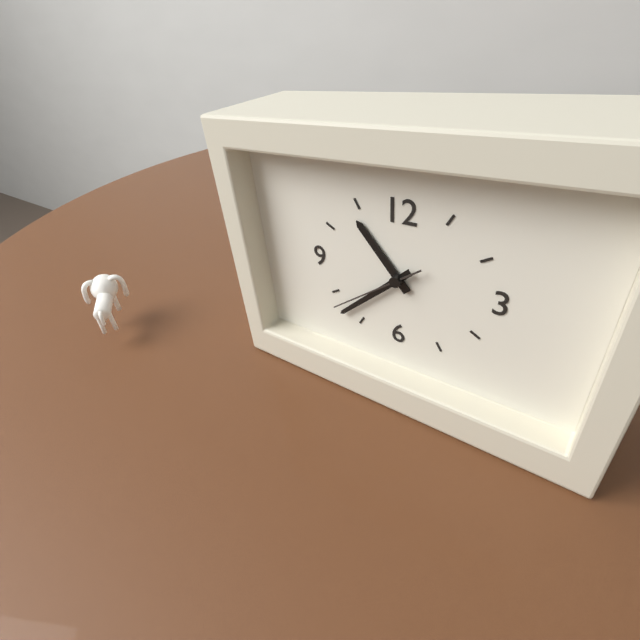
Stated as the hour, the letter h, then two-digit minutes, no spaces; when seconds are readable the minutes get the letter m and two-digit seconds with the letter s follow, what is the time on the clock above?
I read 10h38m39s
